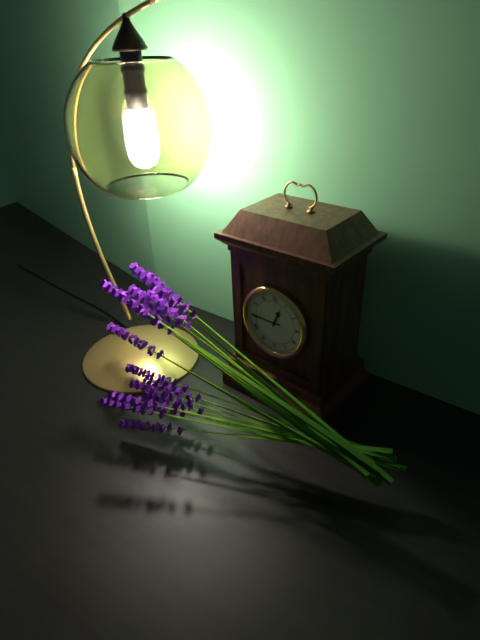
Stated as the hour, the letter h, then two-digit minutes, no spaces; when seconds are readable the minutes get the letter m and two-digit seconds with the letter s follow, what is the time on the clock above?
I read 12h45
